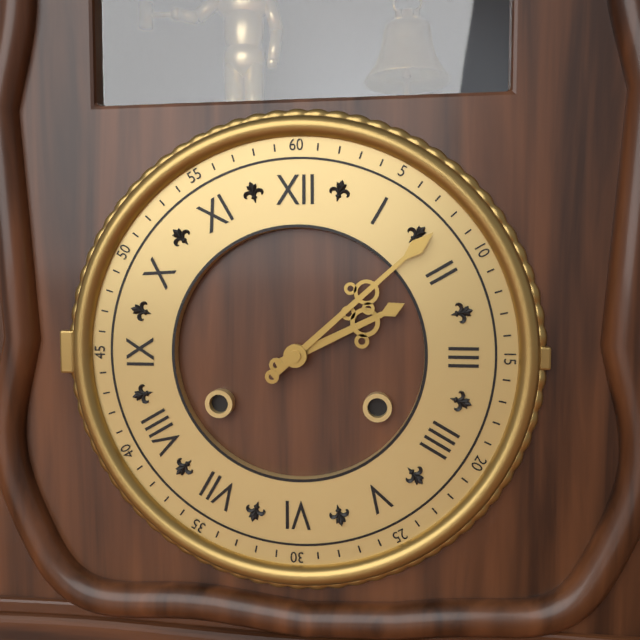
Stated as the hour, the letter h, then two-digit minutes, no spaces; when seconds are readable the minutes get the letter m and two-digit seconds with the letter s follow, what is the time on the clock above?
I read 2h08
